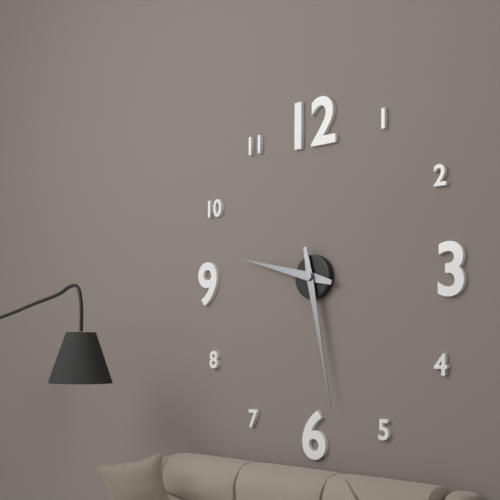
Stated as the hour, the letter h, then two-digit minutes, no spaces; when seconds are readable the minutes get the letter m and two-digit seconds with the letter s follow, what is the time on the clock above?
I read 9h28
